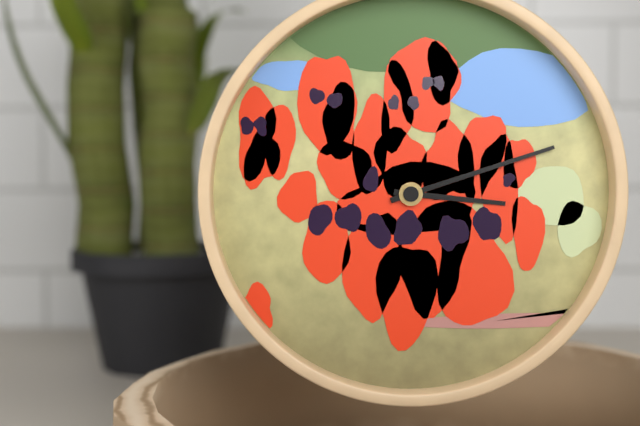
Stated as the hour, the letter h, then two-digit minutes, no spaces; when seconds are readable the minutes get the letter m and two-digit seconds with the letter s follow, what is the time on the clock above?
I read 3h12
